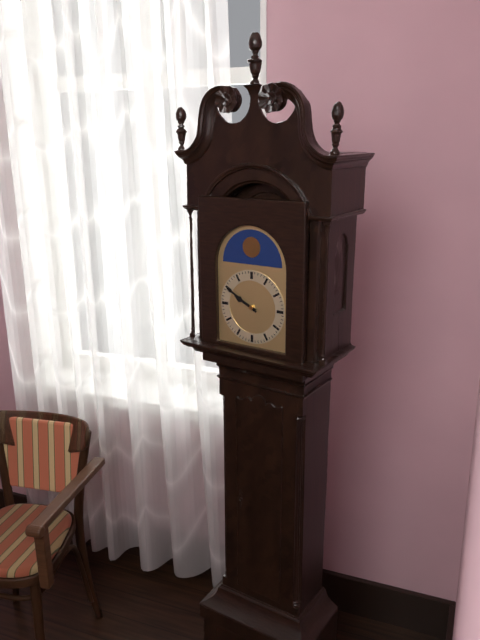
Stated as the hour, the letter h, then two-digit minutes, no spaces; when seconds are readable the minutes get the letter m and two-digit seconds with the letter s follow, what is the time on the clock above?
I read 9h50
